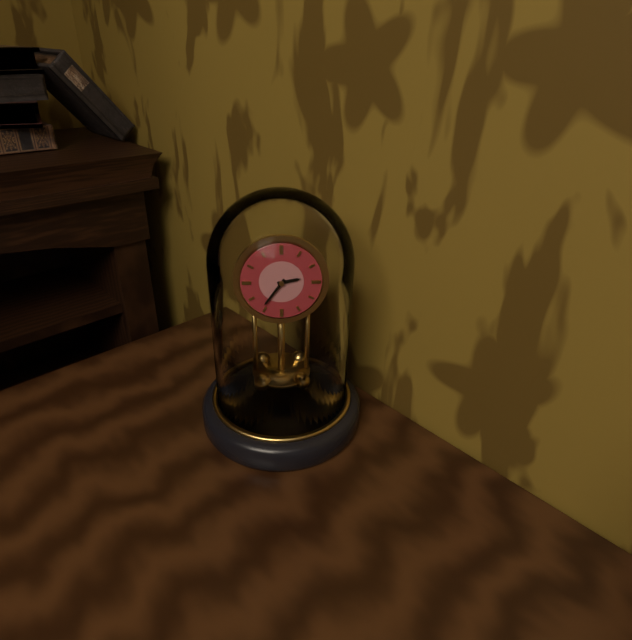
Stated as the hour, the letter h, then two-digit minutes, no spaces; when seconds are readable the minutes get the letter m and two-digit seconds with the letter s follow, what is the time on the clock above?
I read 2h36
